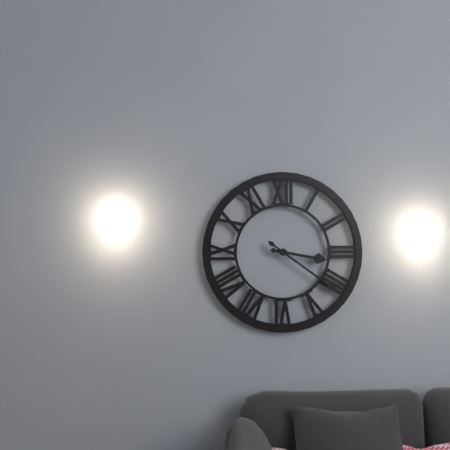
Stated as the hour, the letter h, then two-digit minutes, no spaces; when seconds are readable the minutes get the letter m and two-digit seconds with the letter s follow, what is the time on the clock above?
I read 3h21
